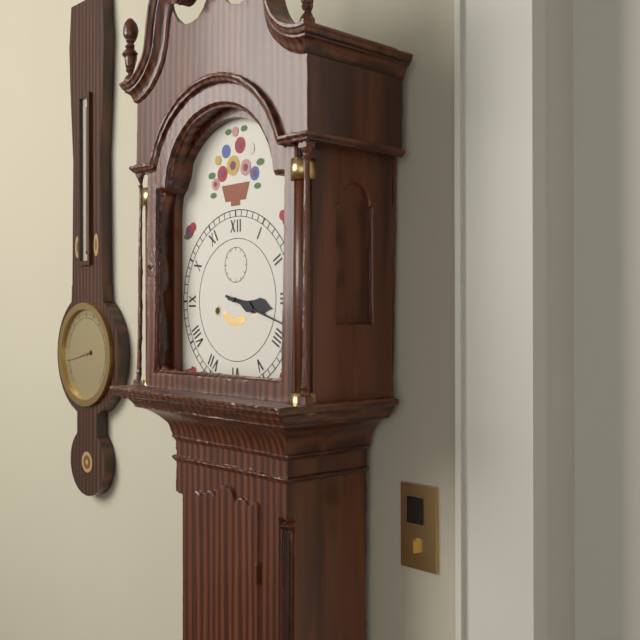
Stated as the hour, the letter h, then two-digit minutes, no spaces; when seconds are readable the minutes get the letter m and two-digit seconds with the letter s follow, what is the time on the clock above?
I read 3h18
